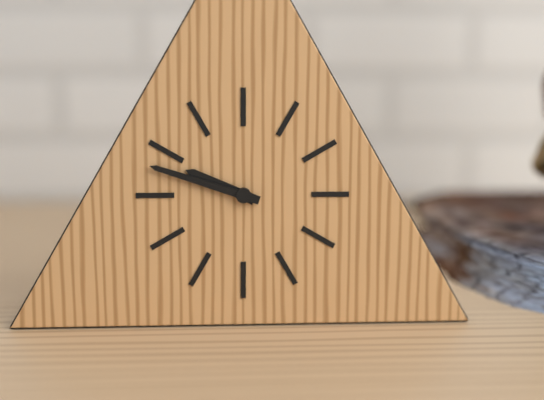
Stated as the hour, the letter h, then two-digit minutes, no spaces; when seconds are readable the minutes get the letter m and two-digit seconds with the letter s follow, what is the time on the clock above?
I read 9h48
